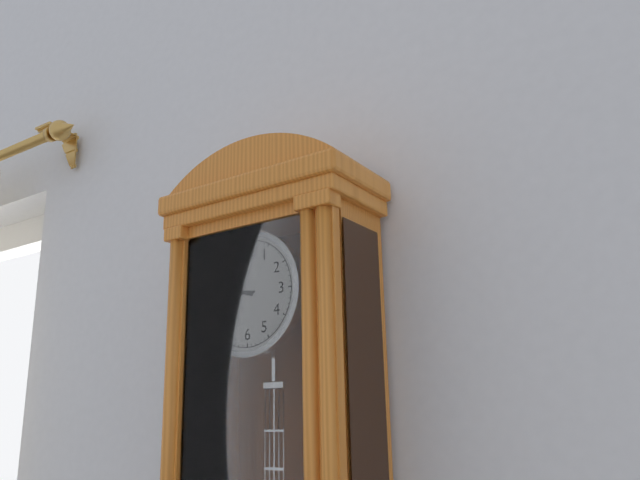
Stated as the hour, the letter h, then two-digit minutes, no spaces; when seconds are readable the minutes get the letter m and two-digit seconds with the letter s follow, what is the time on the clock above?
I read 9h45
